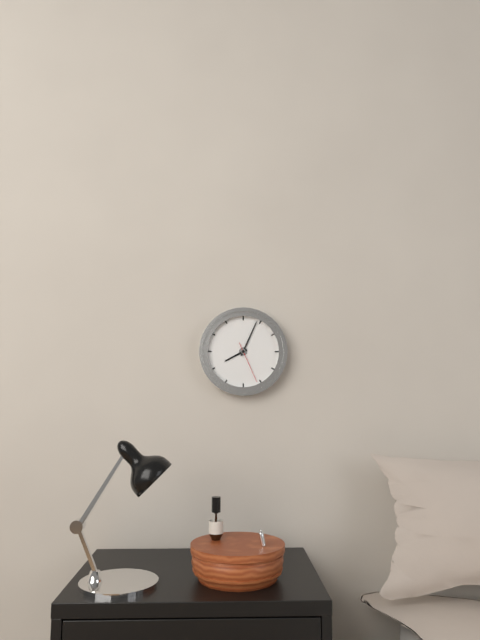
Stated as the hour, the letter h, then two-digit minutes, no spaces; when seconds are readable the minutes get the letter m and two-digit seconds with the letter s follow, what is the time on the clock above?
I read 8h04
